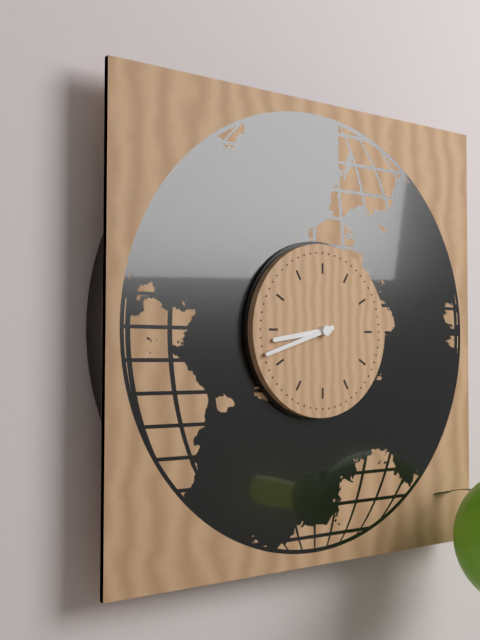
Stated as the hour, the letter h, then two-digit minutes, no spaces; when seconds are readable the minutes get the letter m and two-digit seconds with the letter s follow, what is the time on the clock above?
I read 8h42
